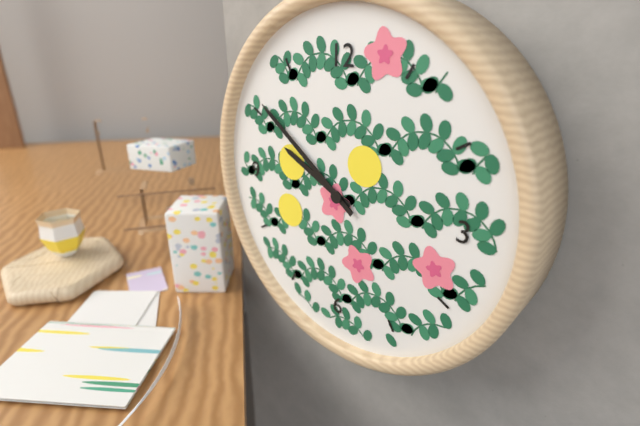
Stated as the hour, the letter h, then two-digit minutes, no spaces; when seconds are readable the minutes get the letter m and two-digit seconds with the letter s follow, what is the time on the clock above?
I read 9h51
